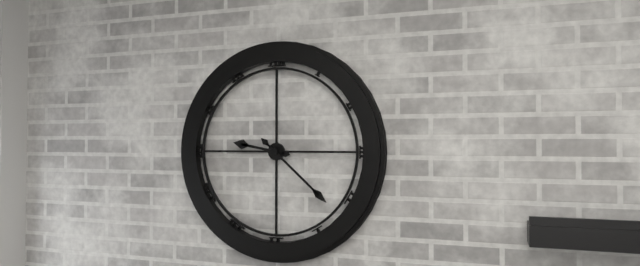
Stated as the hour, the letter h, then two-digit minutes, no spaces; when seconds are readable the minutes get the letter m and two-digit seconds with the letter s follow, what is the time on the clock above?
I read 9h22
